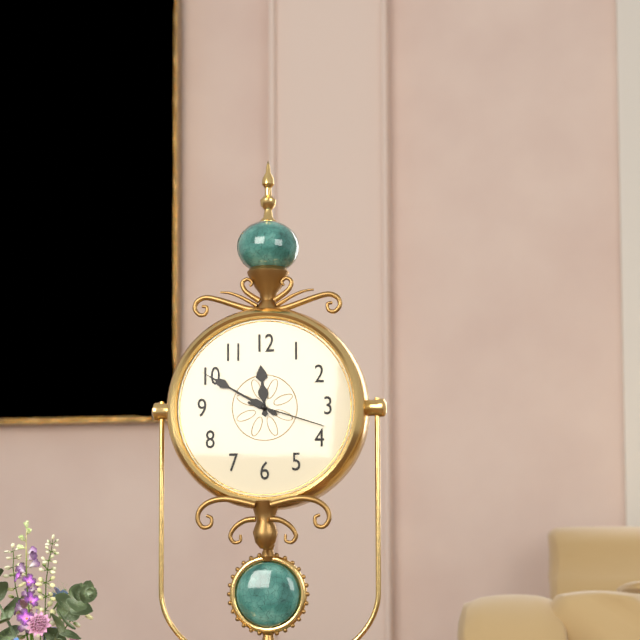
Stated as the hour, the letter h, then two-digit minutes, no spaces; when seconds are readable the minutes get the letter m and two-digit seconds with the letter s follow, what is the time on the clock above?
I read 11h50m18s
